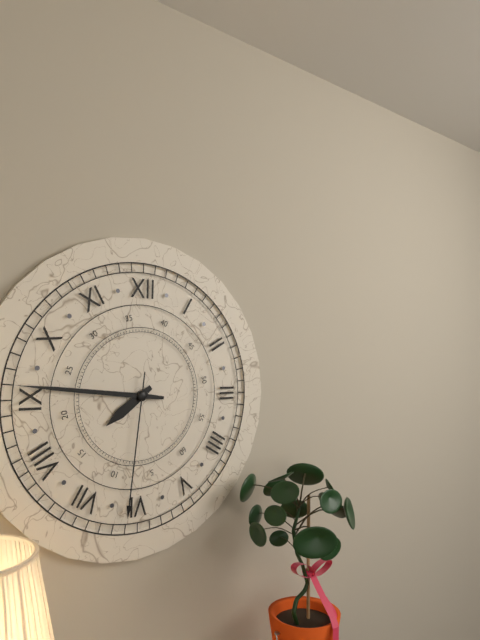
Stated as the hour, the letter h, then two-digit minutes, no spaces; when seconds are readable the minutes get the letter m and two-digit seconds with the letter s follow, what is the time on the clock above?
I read 7h46m31s
